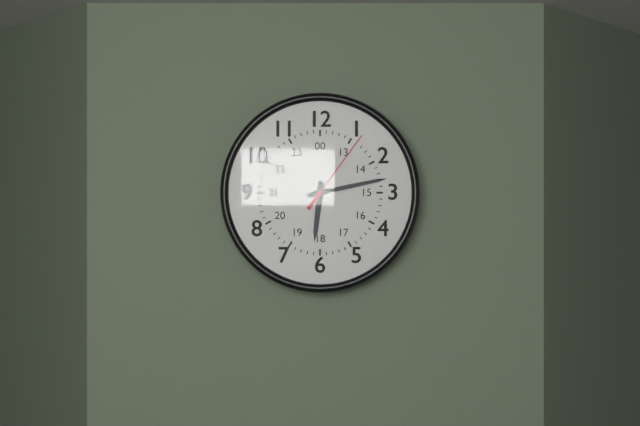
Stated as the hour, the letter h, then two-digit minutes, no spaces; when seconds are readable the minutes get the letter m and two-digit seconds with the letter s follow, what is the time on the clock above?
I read 6h13m06s
